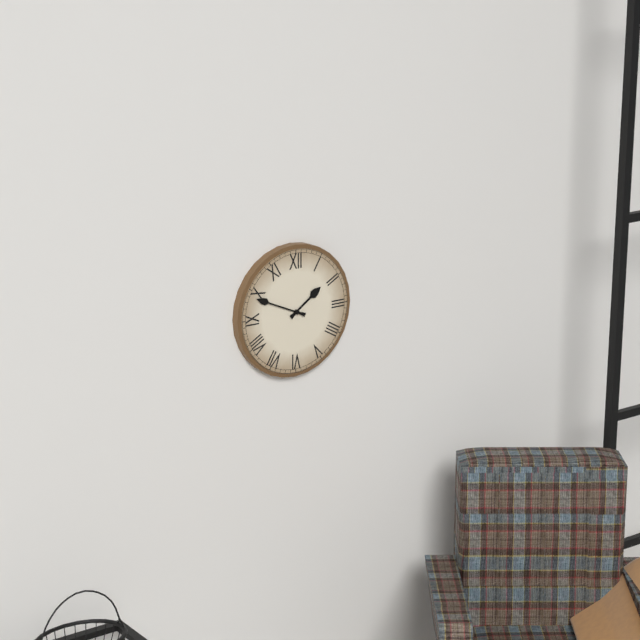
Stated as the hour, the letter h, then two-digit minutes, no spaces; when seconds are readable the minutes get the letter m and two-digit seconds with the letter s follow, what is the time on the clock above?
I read 1h49
